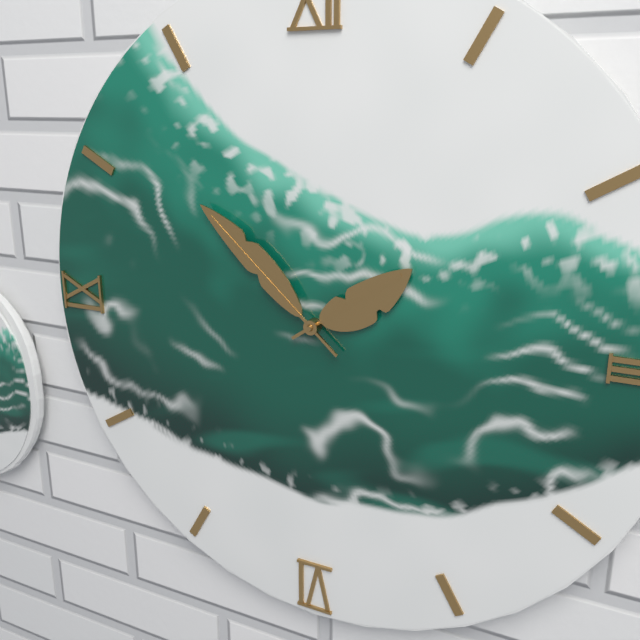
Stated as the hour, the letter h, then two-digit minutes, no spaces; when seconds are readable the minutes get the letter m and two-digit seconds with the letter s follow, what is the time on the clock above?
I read 1h52
